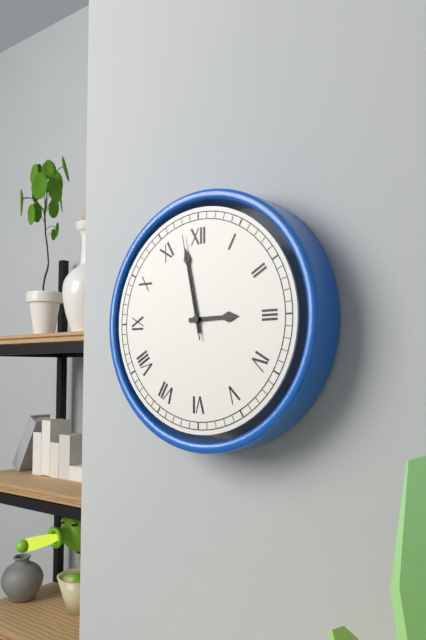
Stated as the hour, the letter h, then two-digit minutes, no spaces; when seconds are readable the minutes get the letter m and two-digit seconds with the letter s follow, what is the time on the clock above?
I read 2h58m58s
